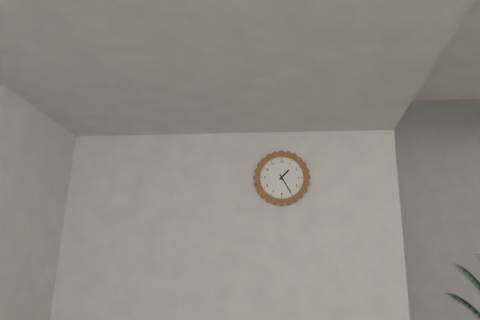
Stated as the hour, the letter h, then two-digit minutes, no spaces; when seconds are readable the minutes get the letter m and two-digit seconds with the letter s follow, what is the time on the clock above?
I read 1h25
